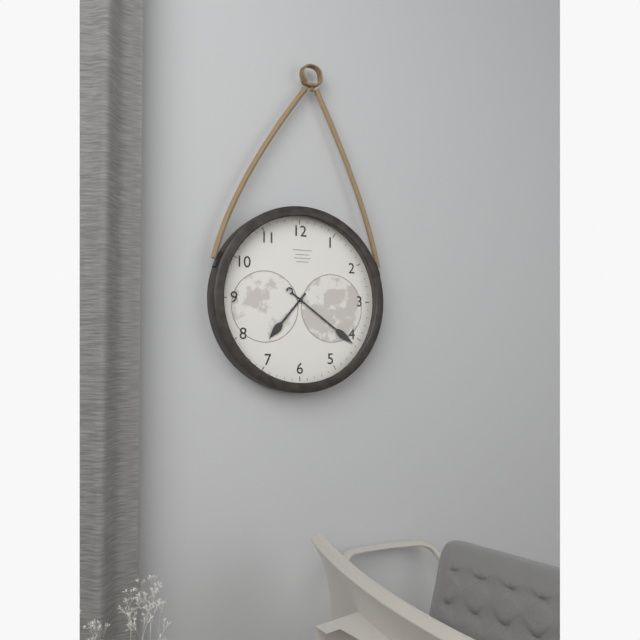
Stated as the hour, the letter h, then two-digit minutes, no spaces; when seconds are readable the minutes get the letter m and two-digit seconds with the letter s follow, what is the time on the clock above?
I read 7h21
